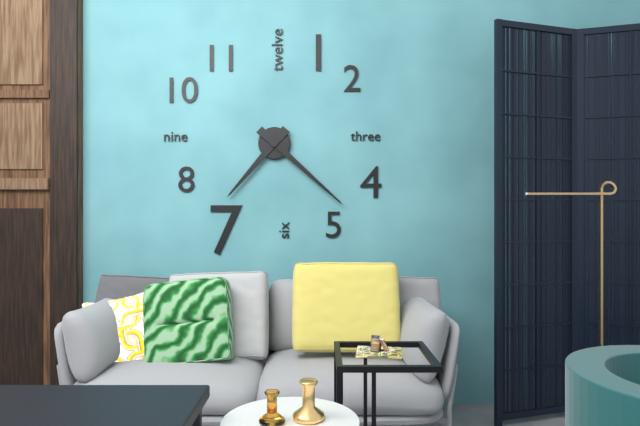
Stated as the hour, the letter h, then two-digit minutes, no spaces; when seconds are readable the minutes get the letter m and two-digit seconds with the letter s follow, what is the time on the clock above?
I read 7h22
